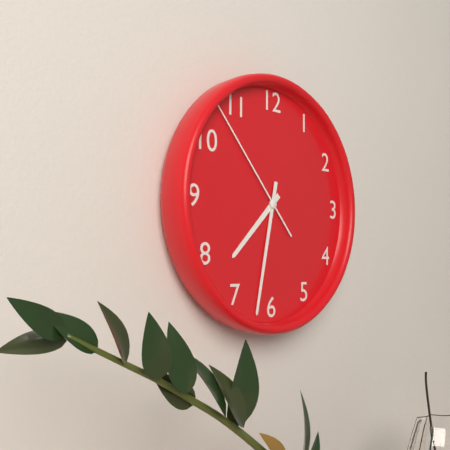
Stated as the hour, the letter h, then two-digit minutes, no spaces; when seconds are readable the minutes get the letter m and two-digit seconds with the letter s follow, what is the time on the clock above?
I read 7h32m53s
